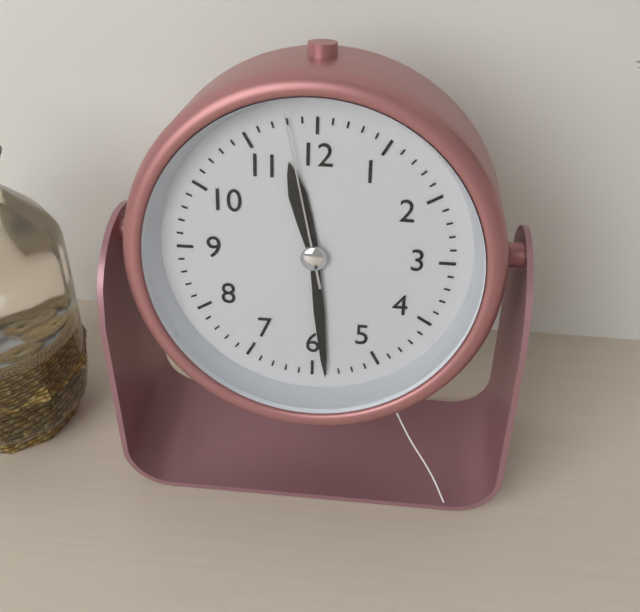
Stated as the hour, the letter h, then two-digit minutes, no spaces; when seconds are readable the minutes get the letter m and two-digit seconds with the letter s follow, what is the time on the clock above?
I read 11h29m58s
